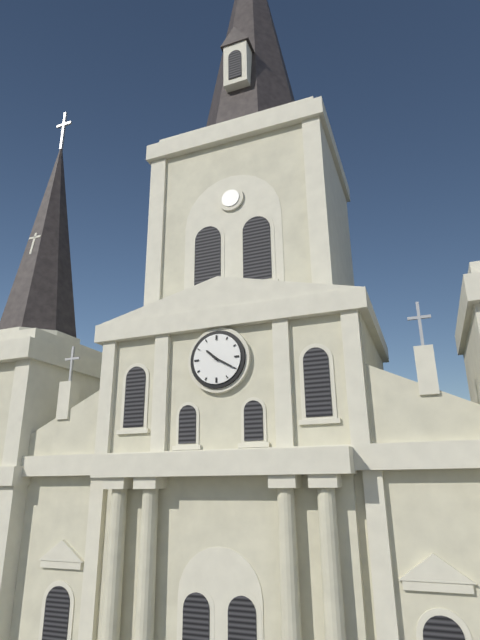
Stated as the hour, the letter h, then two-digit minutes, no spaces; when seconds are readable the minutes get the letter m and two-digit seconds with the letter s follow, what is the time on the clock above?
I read 10h20
